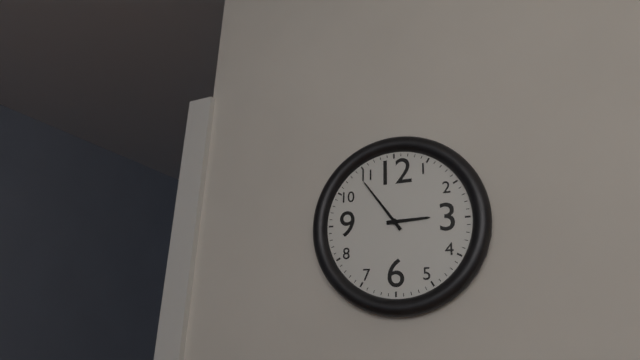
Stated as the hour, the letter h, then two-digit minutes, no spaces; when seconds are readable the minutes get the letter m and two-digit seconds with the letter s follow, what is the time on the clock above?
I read 2h54
